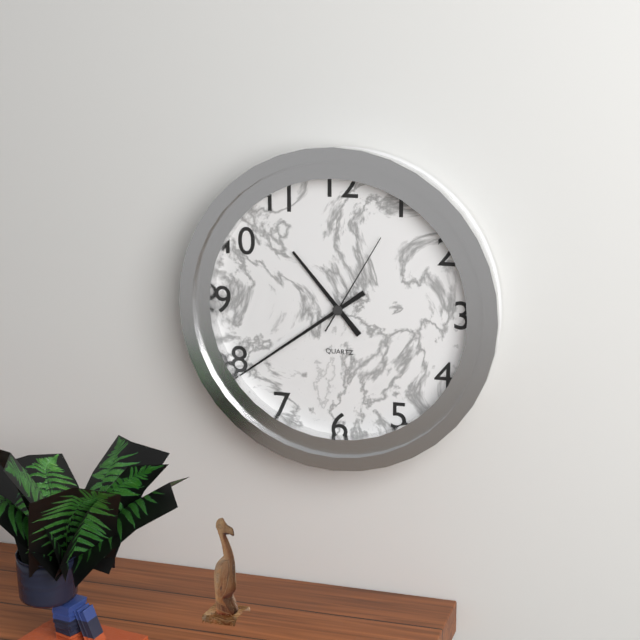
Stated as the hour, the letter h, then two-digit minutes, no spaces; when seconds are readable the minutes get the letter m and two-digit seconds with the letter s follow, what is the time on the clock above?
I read 10h39m05s
